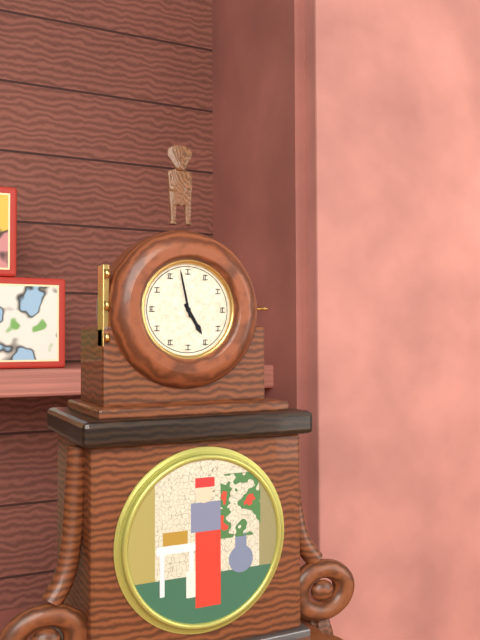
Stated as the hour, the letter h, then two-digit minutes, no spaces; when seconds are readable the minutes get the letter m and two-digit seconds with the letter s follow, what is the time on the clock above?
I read 4h58
